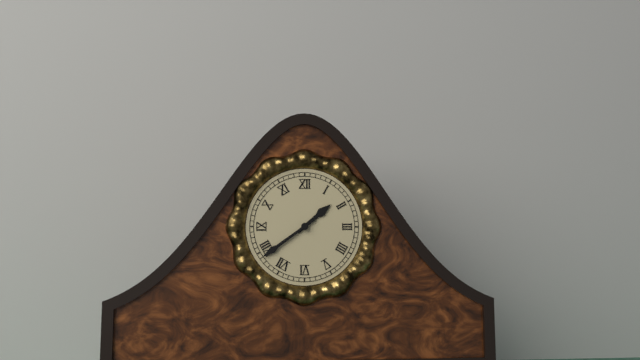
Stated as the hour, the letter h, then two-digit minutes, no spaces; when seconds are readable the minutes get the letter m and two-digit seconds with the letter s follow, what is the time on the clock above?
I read 1h39
